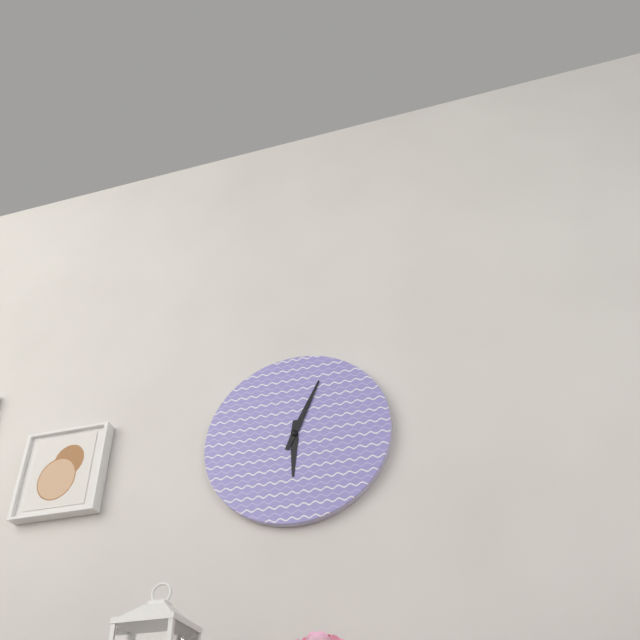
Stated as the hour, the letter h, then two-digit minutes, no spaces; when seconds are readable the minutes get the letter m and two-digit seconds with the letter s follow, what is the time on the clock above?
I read 6h04
